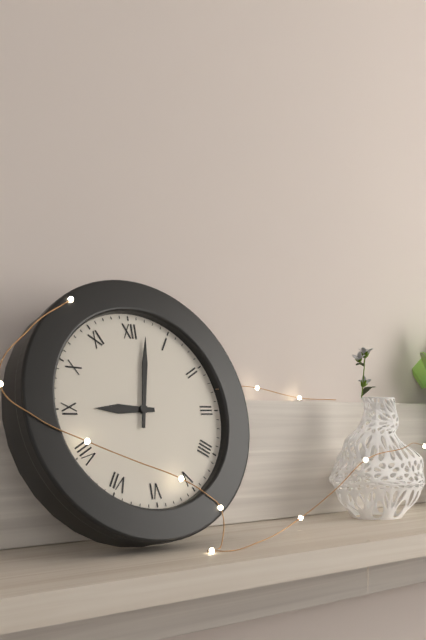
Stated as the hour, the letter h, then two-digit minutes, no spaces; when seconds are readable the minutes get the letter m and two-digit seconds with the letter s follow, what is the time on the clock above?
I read 9h02
